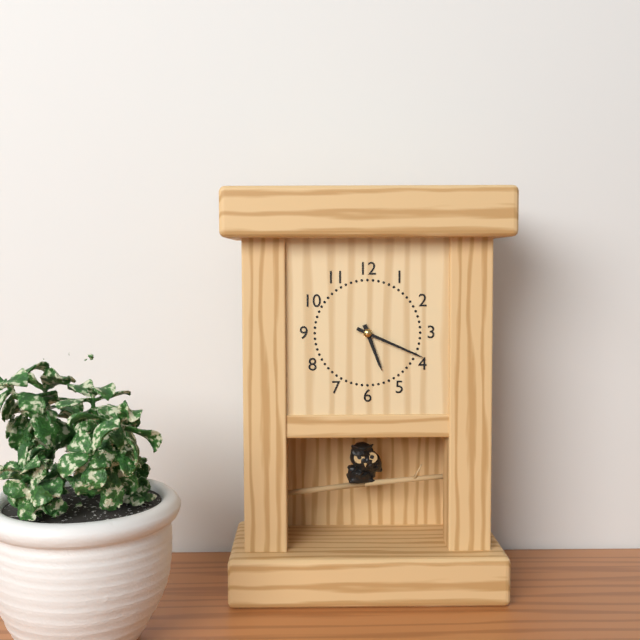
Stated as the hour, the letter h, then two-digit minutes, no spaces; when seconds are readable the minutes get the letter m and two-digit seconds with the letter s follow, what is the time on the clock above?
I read 5h19
